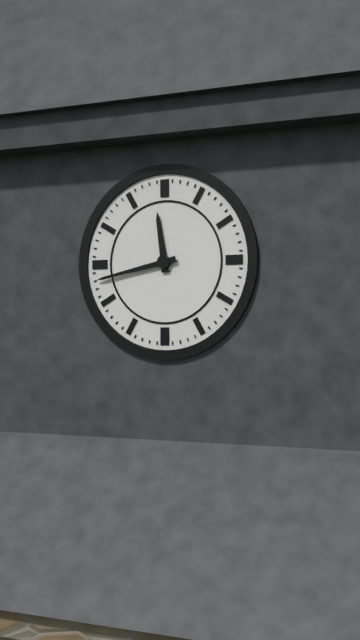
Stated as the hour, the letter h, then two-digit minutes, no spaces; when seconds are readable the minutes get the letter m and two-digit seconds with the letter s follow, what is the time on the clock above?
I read 11h43
